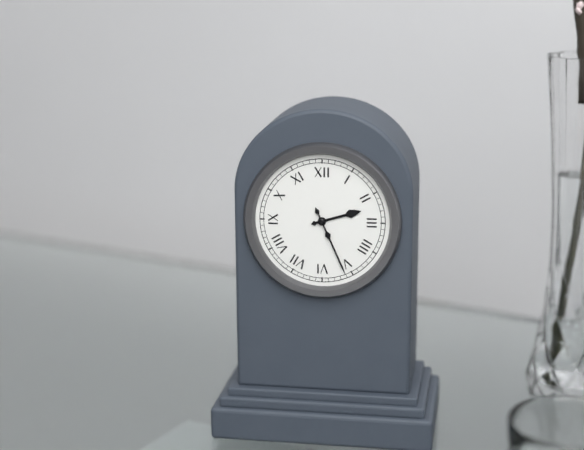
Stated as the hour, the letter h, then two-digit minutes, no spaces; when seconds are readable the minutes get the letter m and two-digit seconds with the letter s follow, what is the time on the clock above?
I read 2h26
